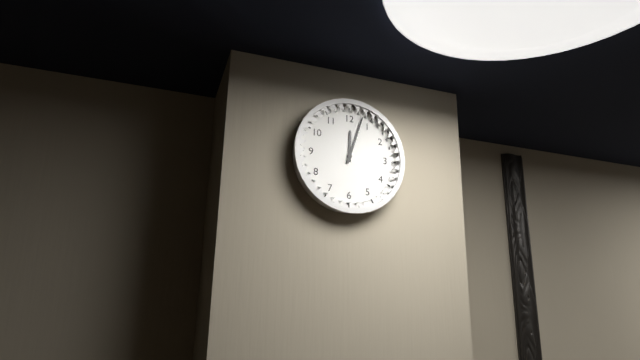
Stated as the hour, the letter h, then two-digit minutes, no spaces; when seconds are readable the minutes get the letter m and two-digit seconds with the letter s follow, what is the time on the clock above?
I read 12h03
